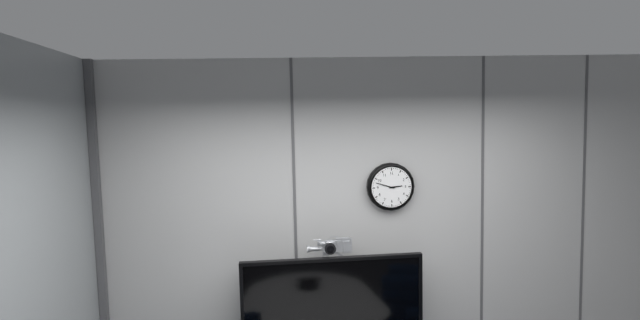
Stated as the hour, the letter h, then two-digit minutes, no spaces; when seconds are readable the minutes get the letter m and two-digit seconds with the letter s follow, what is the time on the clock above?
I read 2h48
